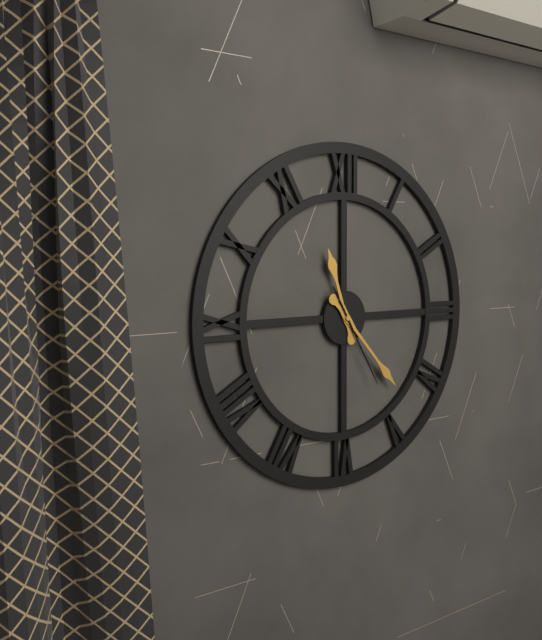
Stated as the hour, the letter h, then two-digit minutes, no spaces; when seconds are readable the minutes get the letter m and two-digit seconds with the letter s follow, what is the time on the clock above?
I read 11h23m25s
